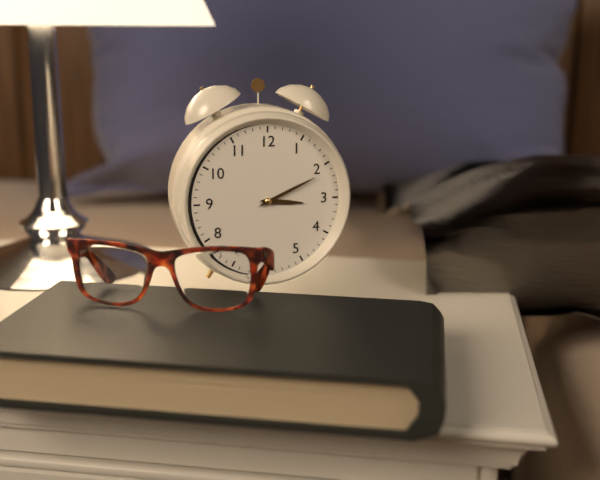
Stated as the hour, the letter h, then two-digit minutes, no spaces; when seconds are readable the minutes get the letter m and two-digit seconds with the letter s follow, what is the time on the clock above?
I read 3h11
